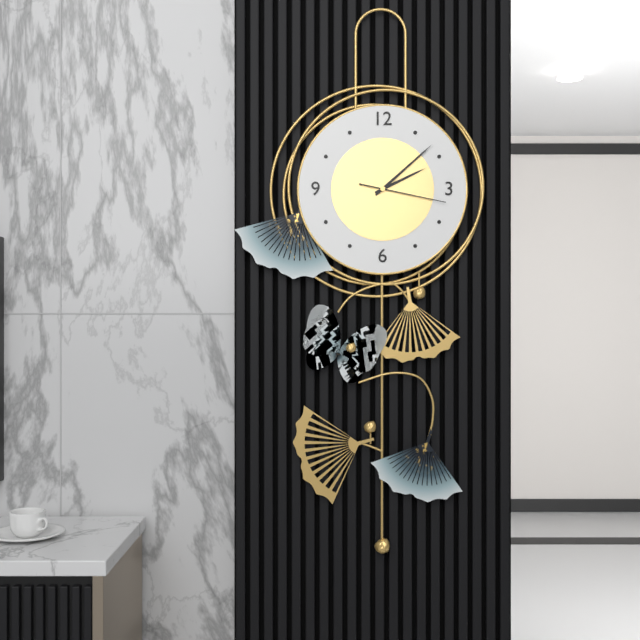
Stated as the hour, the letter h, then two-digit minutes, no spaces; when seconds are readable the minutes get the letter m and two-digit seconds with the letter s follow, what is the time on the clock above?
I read 2h08m17s
